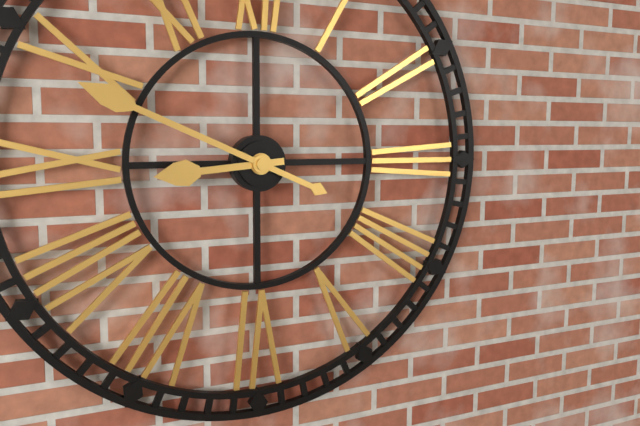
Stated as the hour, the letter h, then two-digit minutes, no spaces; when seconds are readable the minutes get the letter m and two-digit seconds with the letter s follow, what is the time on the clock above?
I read 8h49
